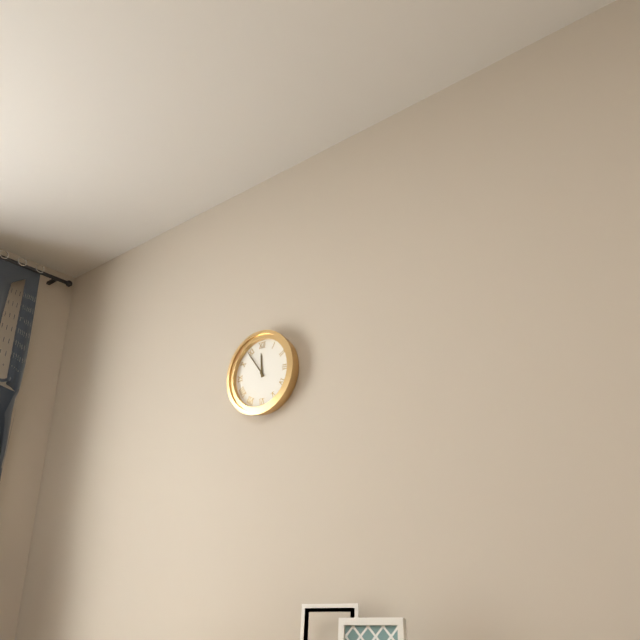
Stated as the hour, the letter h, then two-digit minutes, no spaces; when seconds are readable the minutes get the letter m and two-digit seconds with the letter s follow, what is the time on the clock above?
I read 11h54
